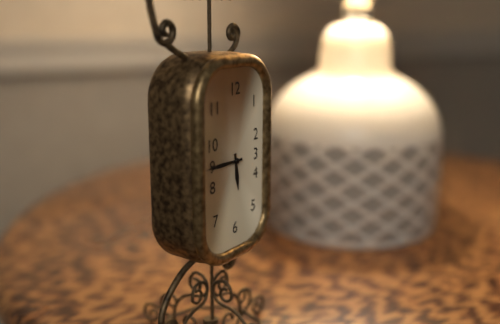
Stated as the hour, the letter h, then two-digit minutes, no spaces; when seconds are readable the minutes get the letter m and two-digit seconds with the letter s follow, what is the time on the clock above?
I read 5h45
